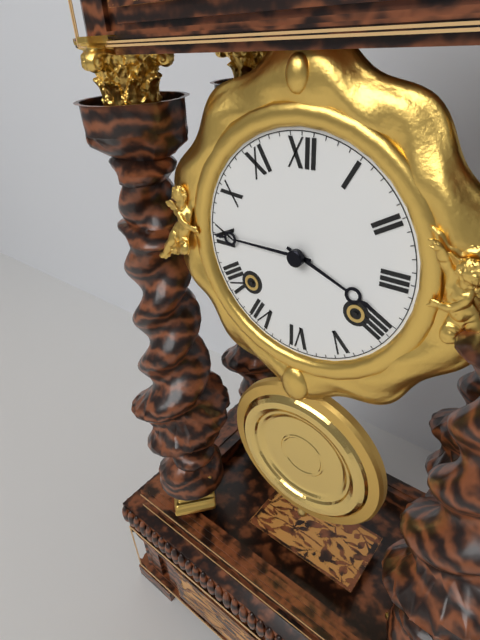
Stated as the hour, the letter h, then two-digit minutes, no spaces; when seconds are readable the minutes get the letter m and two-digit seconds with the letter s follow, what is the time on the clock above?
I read 3h45
